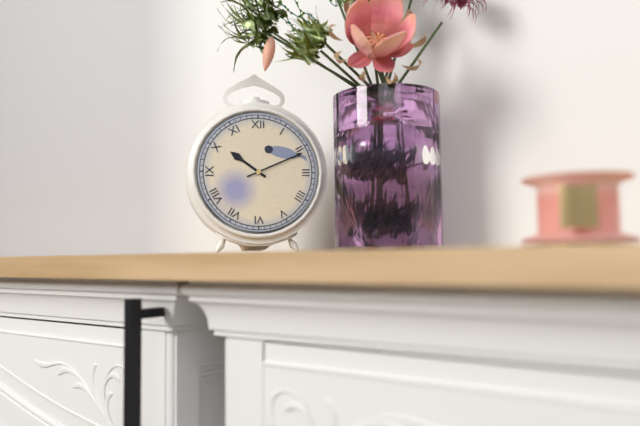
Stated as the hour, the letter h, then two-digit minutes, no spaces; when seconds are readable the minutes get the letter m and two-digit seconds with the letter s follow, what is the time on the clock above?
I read 10h11
